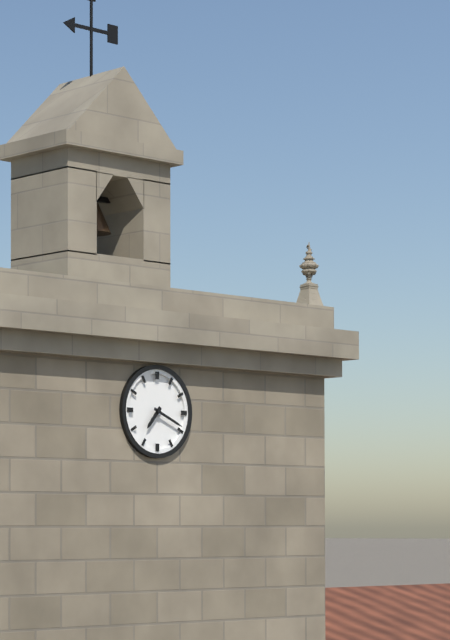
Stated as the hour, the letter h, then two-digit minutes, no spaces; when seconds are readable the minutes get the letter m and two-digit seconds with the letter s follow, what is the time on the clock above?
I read 7h19
